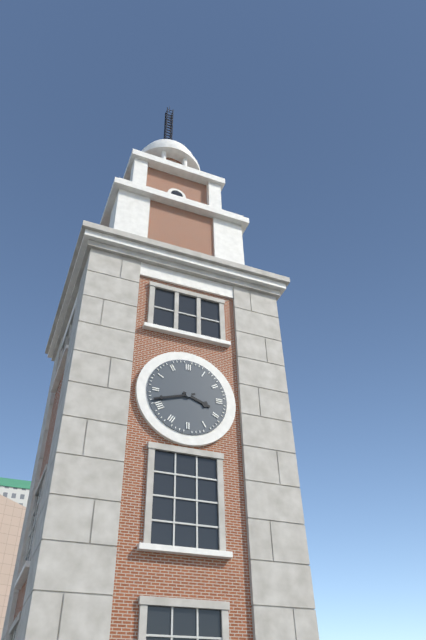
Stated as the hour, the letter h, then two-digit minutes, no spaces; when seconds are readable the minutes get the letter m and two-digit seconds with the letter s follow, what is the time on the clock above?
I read 3h42
